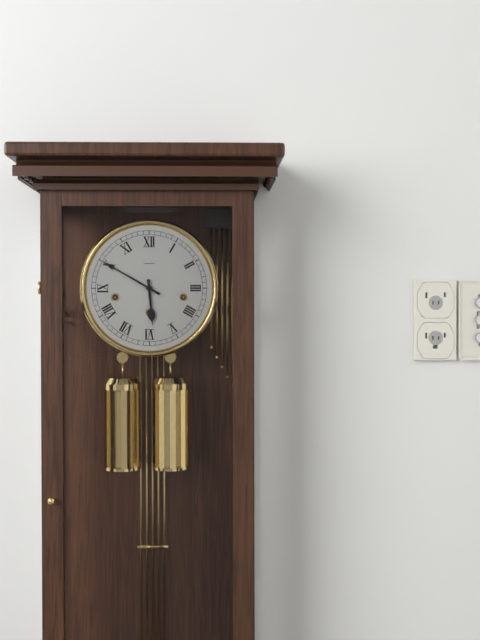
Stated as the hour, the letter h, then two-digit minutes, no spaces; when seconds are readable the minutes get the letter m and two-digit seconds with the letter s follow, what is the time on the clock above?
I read 5h50
